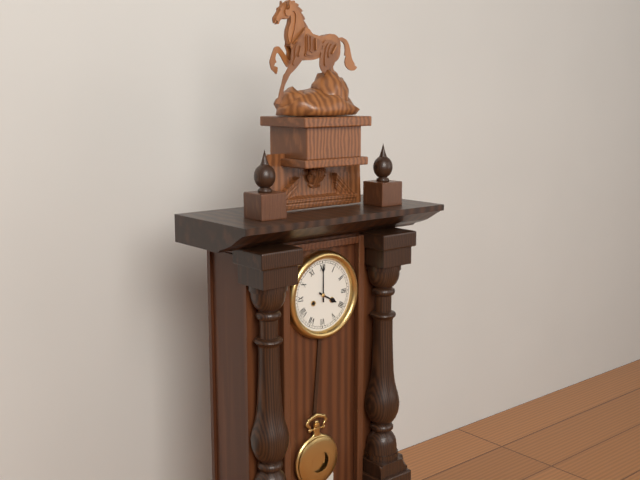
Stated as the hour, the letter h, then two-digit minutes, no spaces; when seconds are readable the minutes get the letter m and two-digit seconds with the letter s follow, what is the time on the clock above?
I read 4h00
